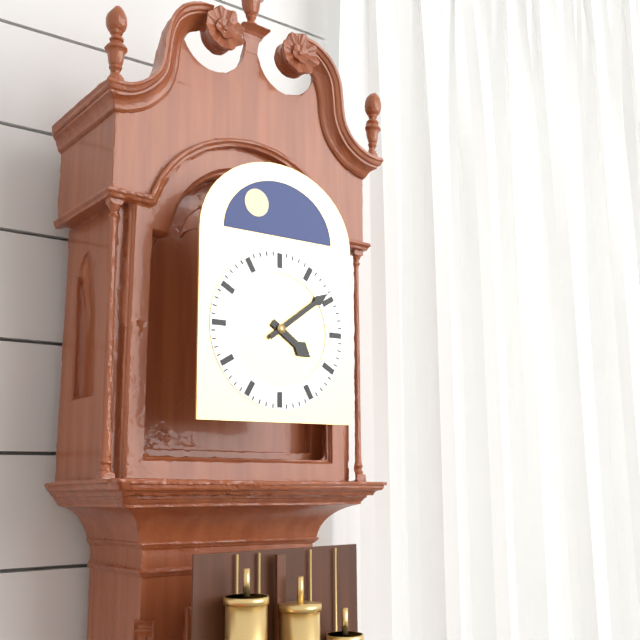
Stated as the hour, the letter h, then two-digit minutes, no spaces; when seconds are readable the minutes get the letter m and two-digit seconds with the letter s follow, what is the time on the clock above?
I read 4h09
